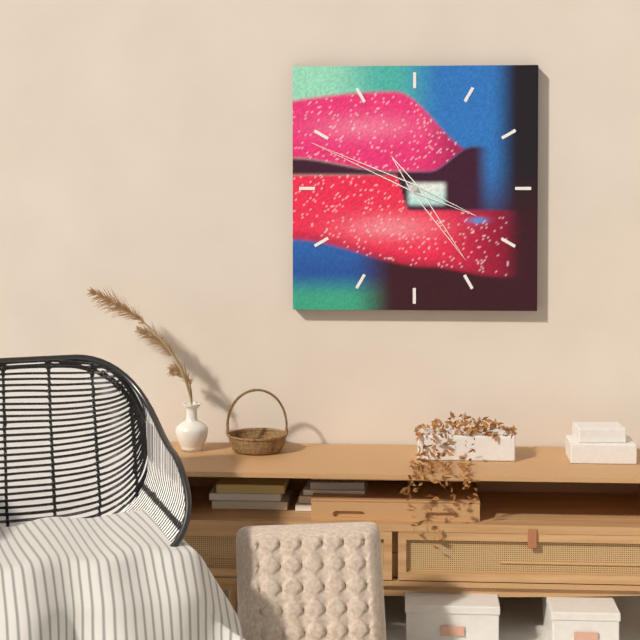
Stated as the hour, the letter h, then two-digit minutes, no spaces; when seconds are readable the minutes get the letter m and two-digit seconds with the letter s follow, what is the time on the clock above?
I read 4h49
